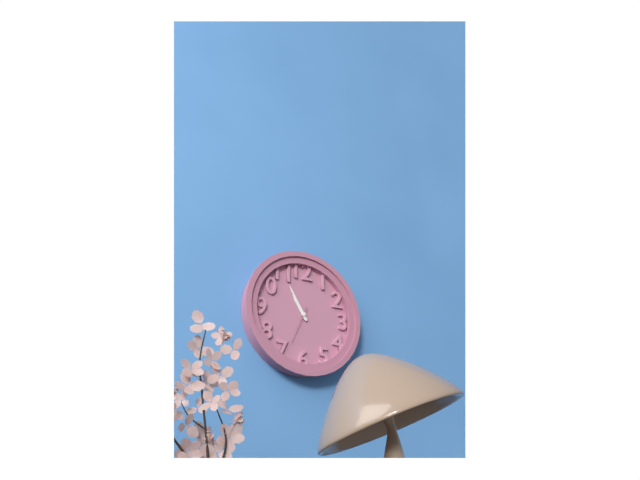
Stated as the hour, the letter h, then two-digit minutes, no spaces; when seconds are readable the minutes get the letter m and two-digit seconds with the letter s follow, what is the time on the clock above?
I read 10h55
